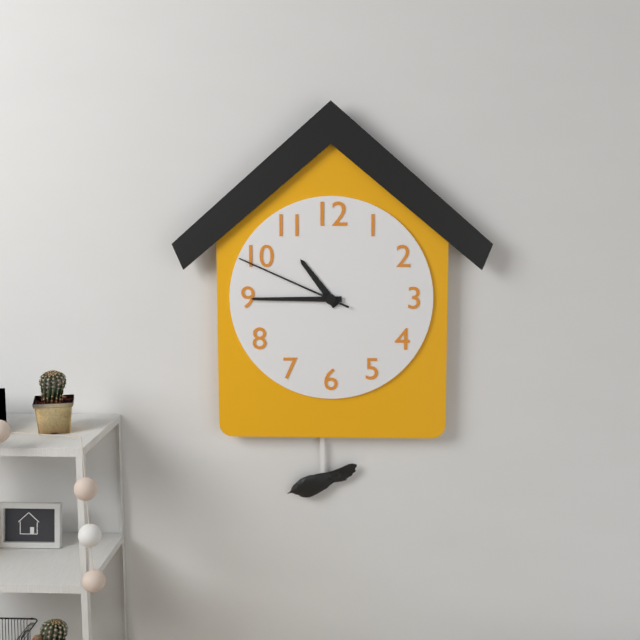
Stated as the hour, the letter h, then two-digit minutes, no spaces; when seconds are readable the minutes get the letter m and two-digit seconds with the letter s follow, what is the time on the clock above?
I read 10h45m49s
